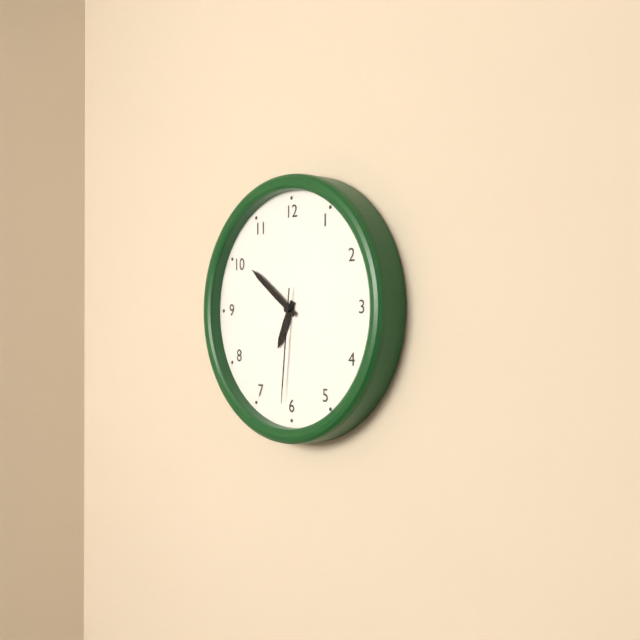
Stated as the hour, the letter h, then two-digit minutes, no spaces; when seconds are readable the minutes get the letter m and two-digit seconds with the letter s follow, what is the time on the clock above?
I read 6h51m31s
